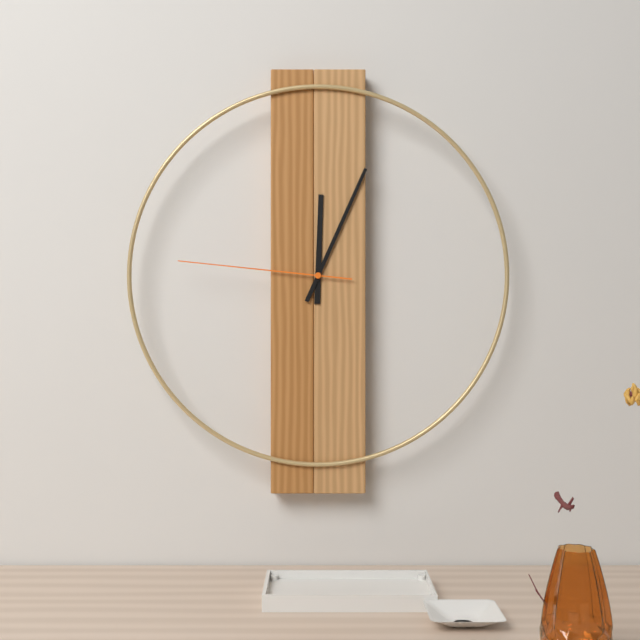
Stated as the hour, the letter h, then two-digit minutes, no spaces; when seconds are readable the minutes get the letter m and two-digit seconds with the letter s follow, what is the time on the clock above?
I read 12h04m46s
